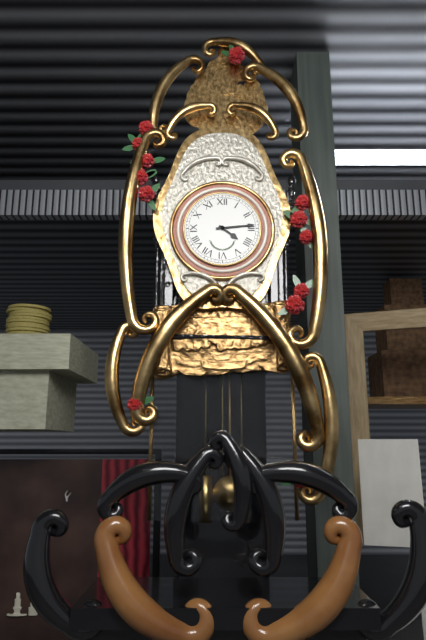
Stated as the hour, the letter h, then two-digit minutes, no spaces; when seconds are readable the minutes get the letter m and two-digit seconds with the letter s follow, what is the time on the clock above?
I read 4h14
